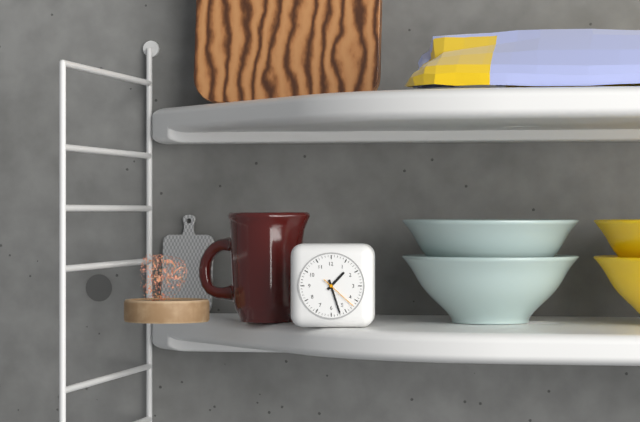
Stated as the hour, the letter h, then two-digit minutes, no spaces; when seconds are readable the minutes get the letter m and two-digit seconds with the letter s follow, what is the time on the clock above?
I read 1h27
